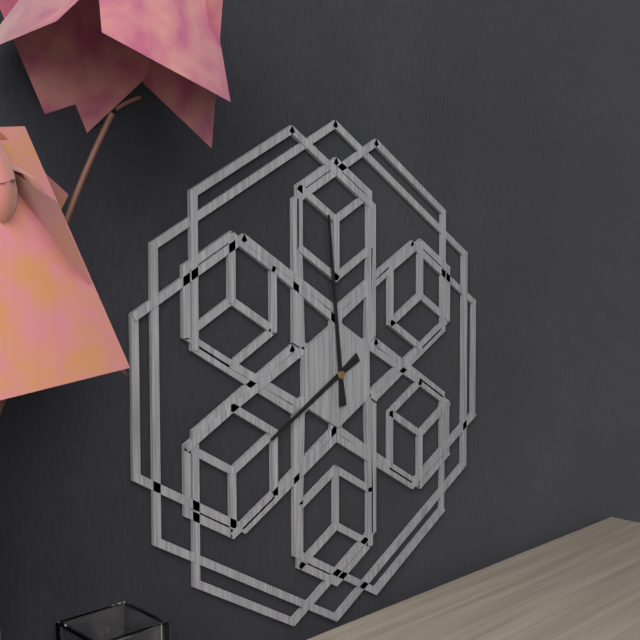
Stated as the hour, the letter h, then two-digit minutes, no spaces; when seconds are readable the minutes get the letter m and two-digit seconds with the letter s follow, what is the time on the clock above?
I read 7h59
